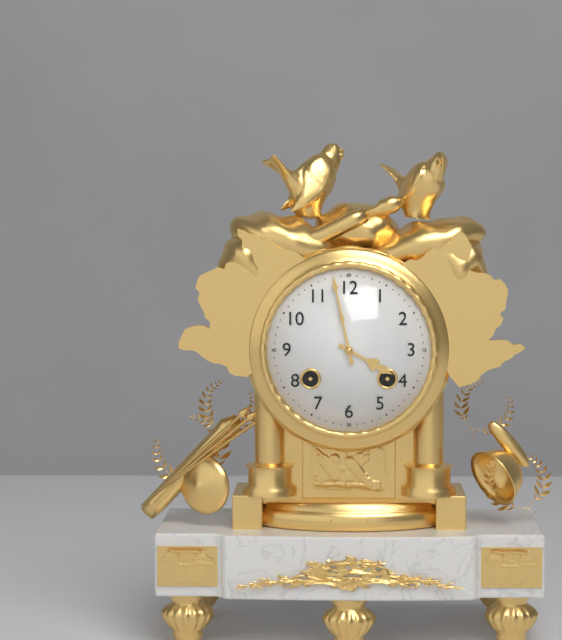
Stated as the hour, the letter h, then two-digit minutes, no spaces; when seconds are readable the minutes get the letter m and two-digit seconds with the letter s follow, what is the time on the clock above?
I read 3h58
